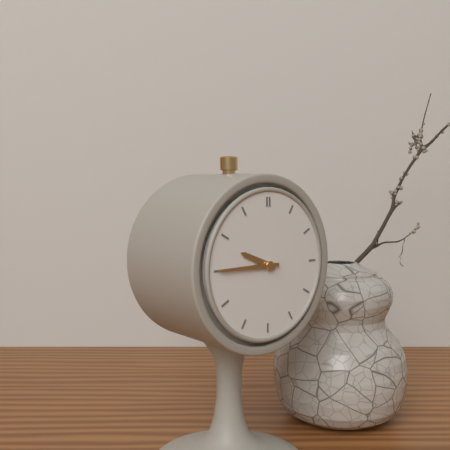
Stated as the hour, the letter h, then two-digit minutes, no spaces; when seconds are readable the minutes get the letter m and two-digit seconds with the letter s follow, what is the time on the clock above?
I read 9h45
